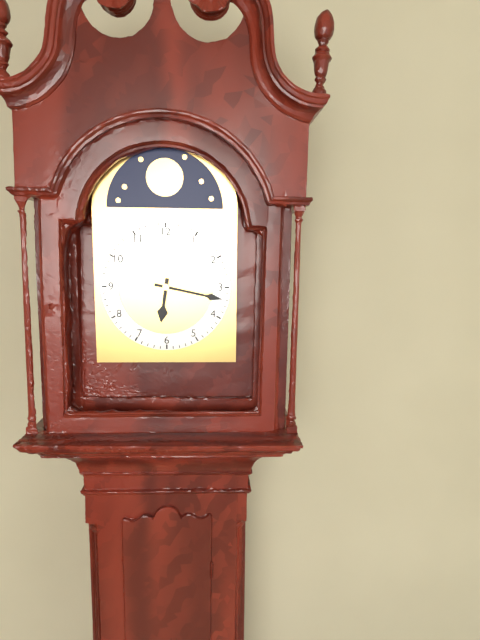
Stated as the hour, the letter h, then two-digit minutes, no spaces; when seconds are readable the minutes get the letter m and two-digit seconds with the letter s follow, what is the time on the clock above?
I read 6h17
